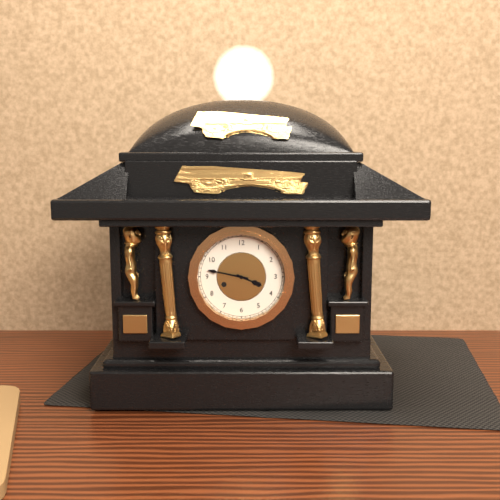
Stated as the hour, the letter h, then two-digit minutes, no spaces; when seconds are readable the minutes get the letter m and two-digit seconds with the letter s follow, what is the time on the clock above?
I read 3h47
